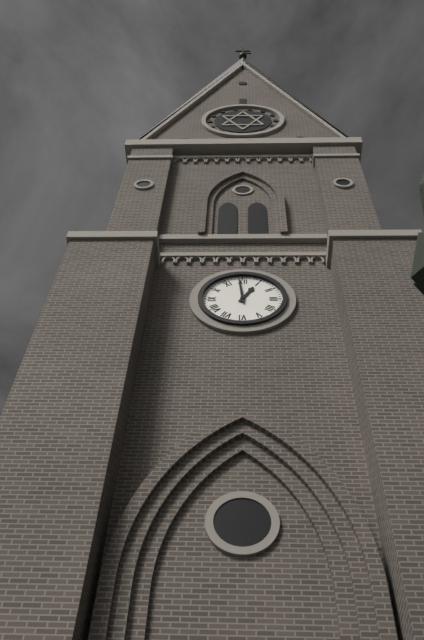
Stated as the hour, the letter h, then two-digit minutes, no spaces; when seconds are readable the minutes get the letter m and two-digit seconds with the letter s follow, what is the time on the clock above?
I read 12h59
